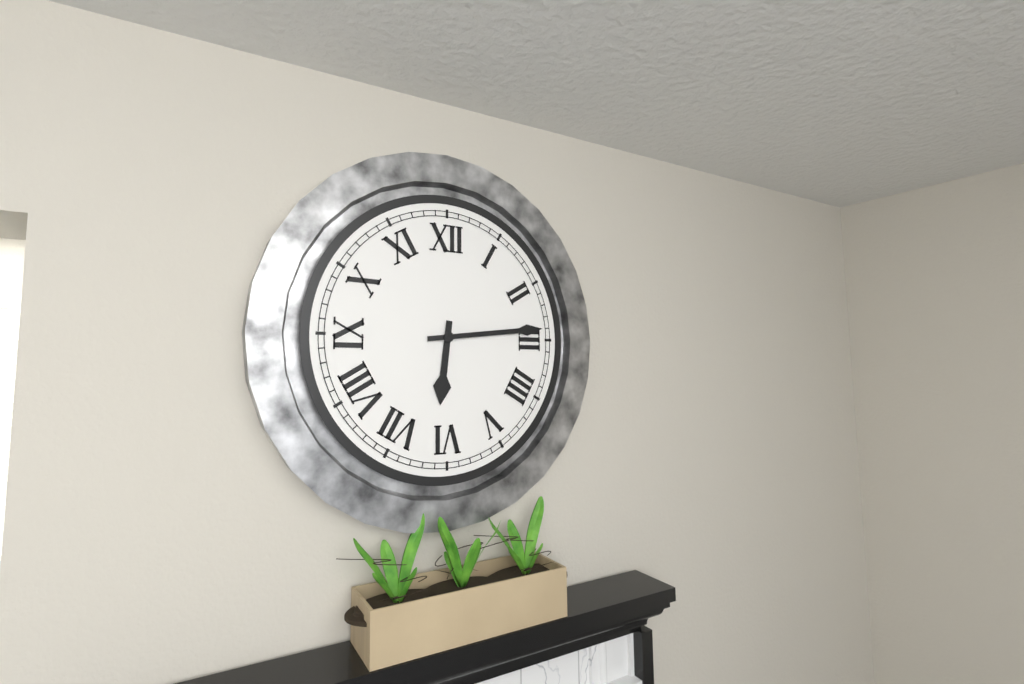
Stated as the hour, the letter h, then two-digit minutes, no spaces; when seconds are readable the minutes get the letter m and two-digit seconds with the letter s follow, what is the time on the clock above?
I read 6h14
